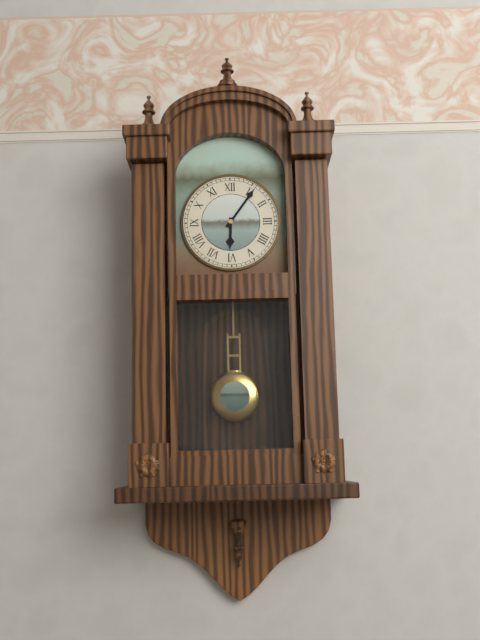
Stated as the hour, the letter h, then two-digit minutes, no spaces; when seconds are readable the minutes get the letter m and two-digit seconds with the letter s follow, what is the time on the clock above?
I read 6h06
